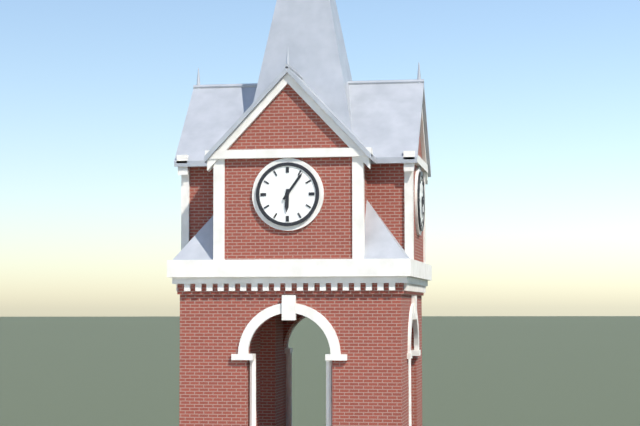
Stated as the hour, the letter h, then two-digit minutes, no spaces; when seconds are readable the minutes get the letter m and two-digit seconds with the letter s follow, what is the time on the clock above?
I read 6h06
